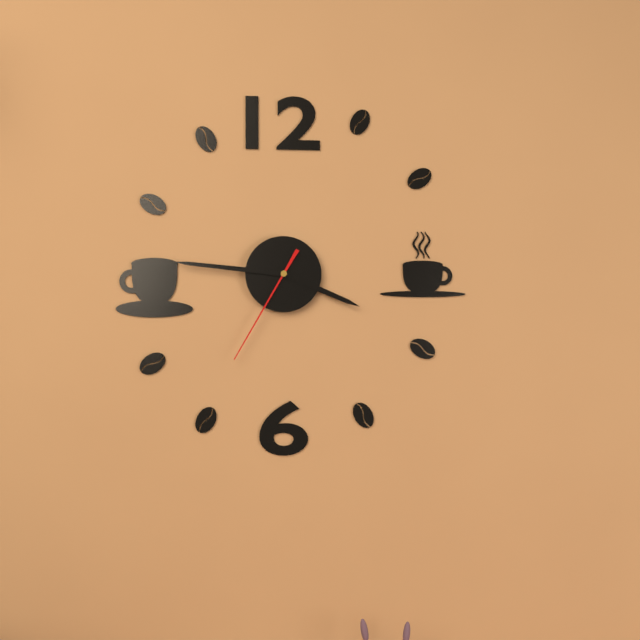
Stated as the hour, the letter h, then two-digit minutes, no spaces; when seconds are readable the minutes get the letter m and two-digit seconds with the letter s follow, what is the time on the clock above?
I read 3h46m35s
